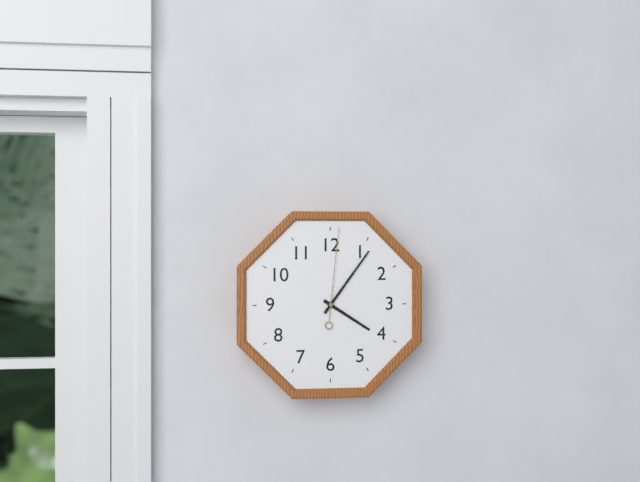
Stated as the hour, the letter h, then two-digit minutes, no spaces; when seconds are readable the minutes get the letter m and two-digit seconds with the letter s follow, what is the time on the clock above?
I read 4h06m01s
